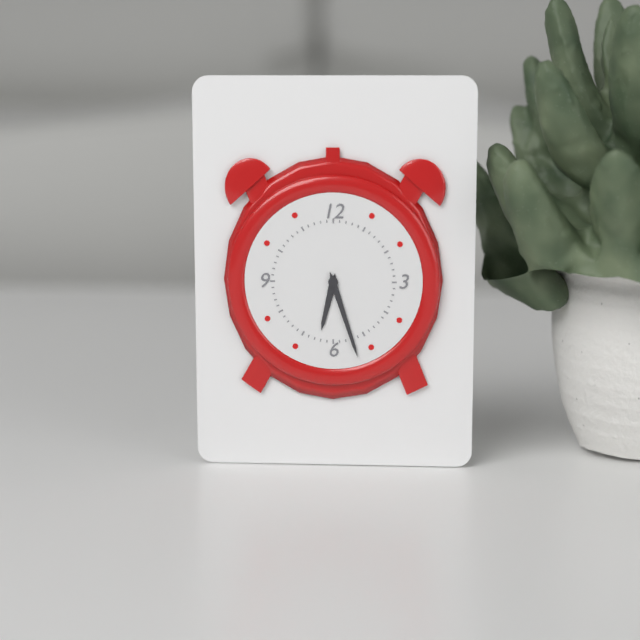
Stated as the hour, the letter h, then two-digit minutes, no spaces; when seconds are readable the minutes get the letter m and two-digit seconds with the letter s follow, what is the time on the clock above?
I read 6h27
